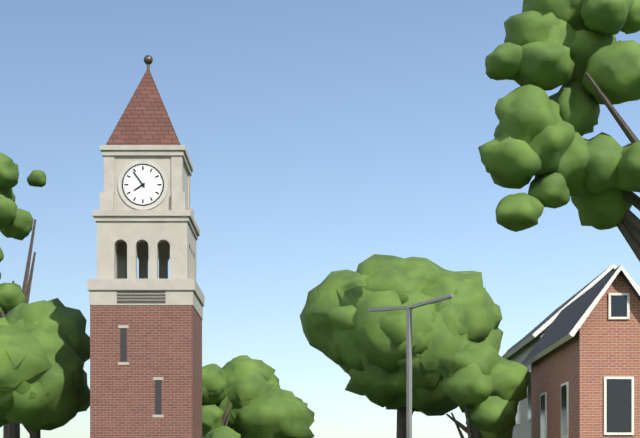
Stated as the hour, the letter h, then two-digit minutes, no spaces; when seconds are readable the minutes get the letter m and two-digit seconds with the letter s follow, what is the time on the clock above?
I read 7h54
